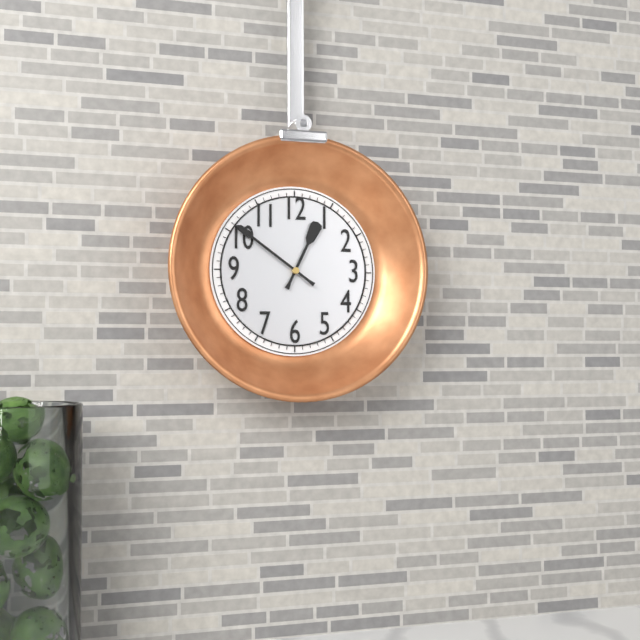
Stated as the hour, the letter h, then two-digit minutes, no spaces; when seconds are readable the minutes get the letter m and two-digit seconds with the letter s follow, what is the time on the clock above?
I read 12h51
